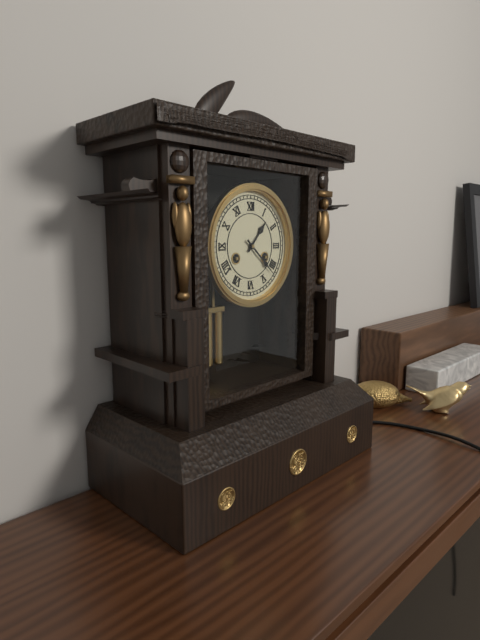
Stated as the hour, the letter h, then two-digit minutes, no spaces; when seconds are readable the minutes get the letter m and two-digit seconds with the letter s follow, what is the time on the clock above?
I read 1h22
